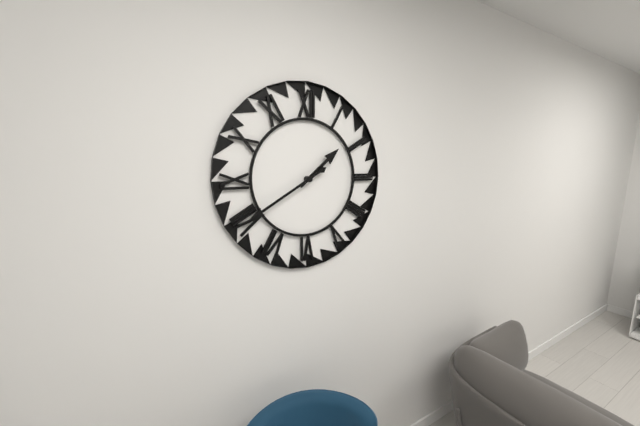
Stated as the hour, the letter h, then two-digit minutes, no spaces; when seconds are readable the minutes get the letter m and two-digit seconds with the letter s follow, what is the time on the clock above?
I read 1h40
